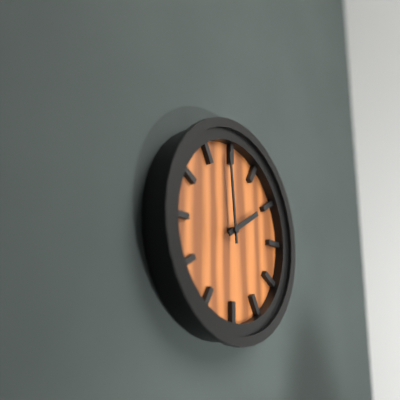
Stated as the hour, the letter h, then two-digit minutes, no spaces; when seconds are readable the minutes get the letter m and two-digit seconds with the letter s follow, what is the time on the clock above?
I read 1h59
